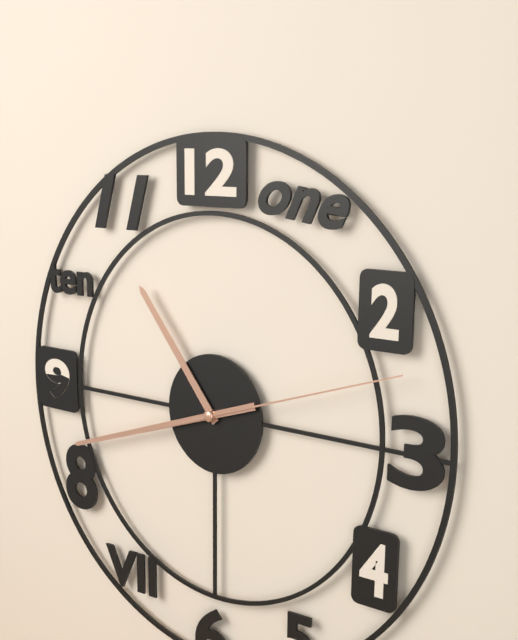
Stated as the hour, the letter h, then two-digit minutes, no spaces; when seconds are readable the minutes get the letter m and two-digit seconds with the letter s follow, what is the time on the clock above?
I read 10h42m12s
